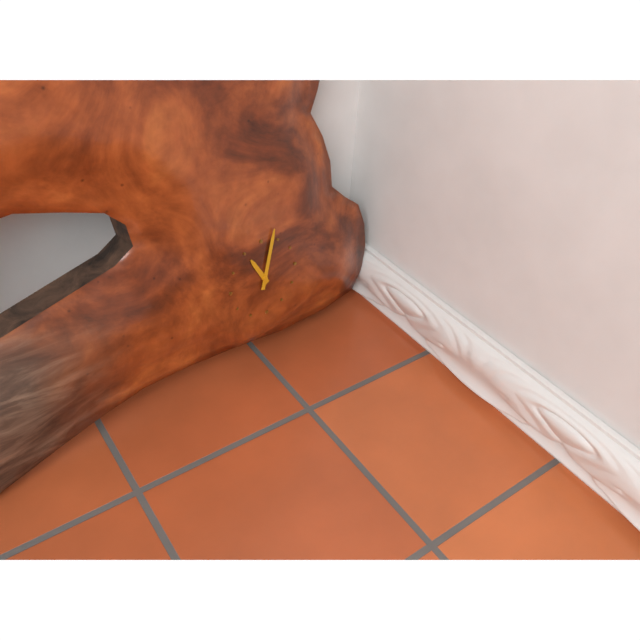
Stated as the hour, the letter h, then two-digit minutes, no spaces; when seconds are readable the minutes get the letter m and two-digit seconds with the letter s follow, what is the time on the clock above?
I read 11h03
